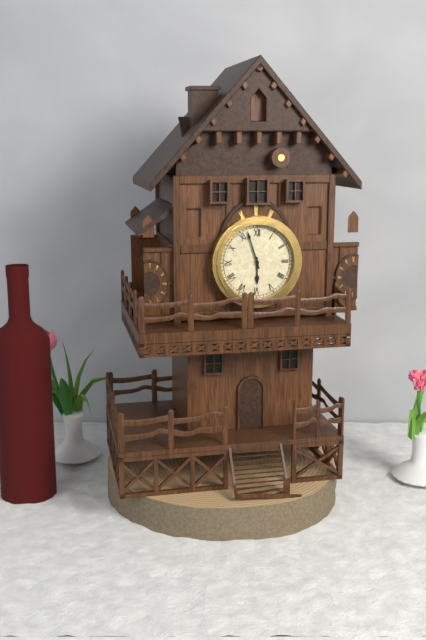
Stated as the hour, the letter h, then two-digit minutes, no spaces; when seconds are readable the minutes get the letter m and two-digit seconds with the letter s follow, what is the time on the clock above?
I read 5h57
